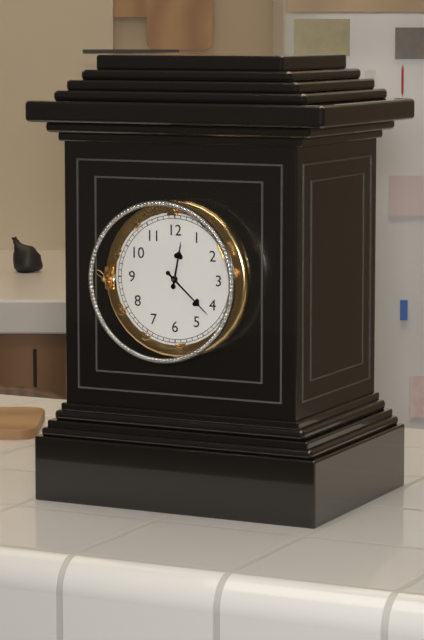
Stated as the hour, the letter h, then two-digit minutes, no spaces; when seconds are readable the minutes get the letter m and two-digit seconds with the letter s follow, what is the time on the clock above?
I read 12h22
